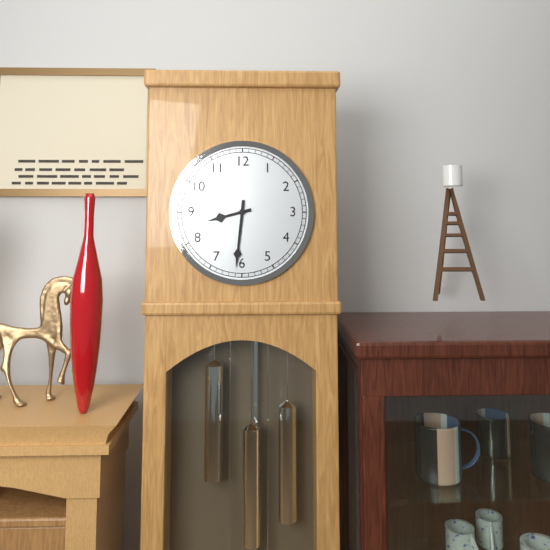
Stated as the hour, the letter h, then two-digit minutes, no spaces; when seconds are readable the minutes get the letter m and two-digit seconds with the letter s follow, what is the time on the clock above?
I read 8h31
